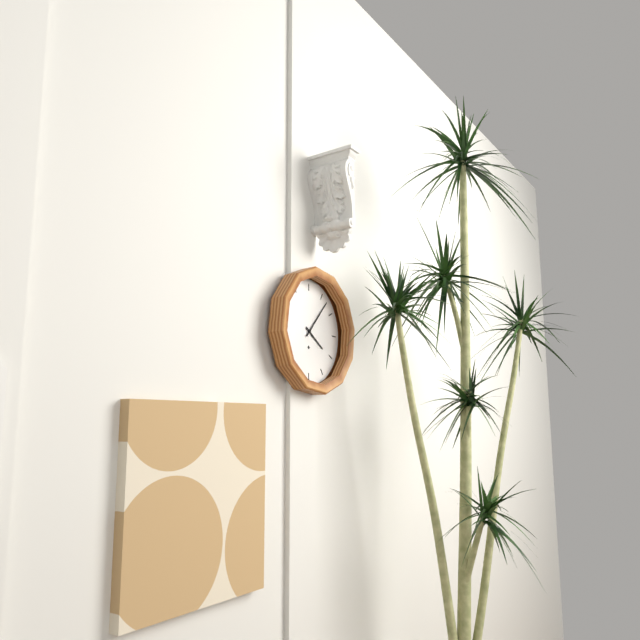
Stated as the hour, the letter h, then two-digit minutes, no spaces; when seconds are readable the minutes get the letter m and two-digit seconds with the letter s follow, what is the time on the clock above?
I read 4h07
